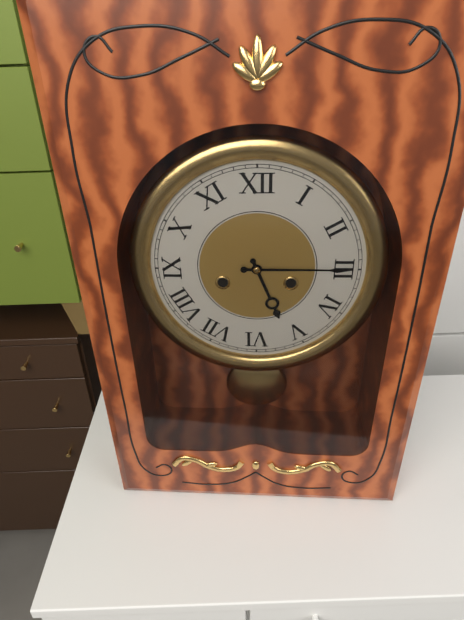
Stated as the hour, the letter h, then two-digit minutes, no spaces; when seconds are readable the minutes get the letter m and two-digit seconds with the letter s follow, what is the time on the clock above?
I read 5h15
